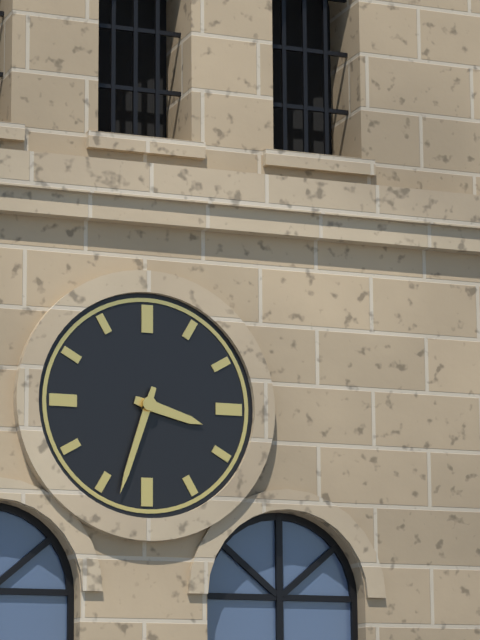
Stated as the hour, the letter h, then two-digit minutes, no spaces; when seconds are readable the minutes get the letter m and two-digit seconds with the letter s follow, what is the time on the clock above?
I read 3h33
